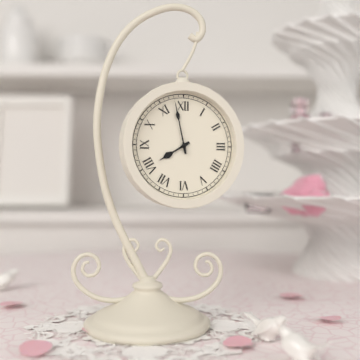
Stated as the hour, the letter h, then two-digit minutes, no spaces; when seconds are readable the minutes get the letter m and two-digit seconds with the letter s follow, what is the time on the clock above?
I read 7h58
